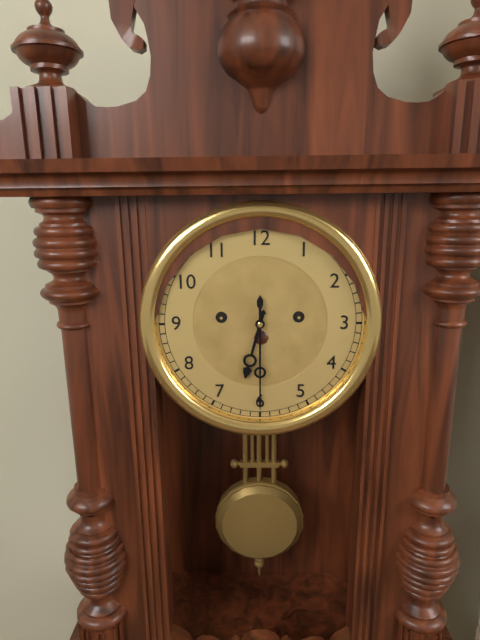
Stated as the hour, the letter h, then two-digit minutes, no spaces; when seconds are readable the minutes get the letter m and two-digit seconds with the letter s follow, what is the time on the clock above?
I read 6h30
